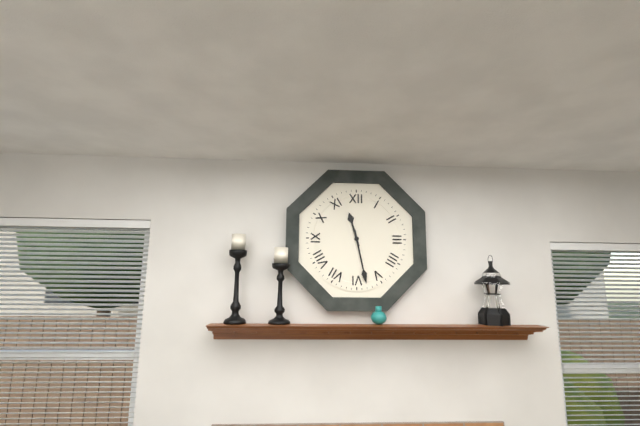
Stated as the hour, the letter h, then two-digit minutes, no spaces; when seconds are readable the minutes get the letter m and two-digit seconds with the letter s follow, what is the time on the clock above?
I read 11h28
